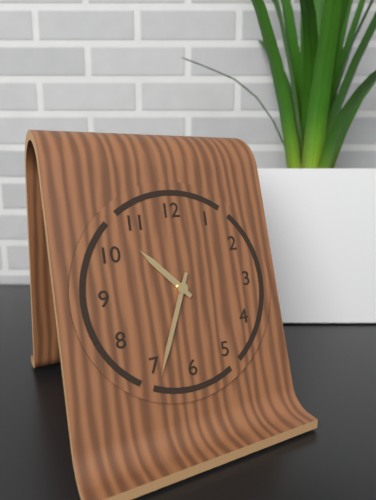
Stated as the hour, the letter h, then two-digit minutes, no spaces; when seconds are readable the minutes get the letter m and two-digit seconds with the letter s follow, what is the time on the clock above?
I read 10h34
